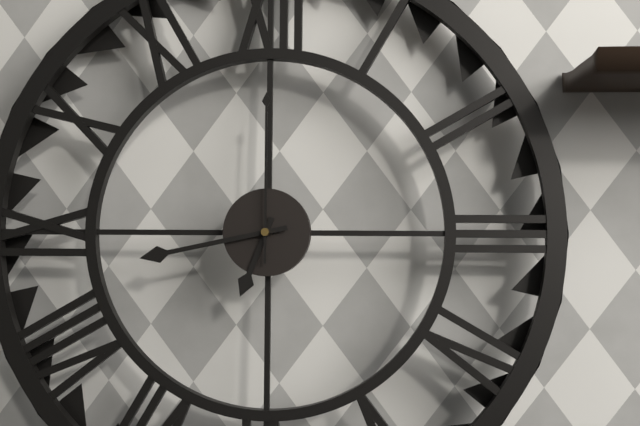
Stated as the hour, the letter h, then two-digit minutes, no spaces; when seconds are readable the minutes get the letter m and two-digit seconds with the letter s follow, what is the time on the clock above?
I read 6h43m00s
